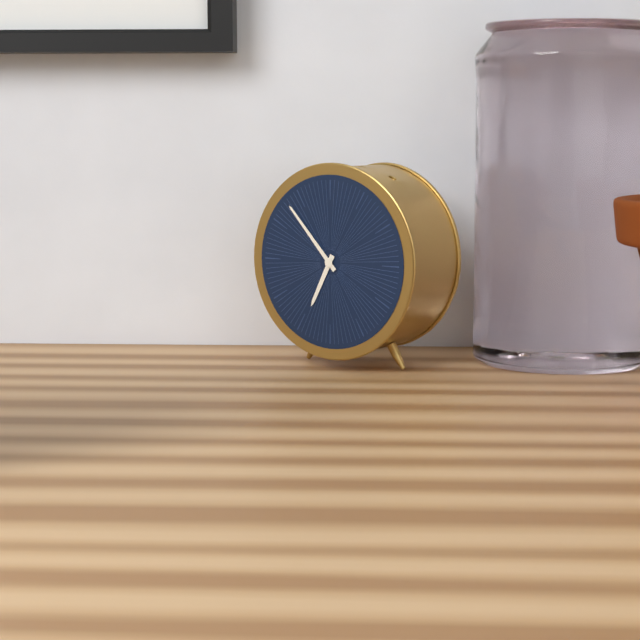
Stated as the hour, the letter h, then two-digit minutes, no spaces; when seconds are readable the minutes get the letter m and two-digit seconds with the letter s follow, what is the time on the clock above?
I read 6h53
